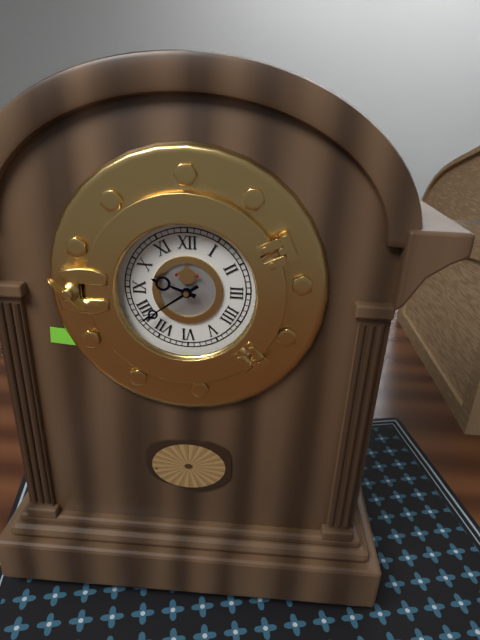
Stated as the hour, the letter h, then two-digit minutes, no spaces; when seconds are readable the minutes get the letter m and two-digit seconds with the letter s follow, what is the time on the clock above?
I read 9h39
